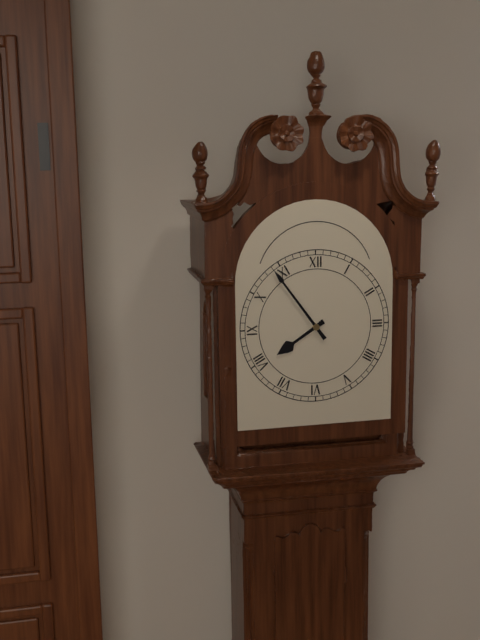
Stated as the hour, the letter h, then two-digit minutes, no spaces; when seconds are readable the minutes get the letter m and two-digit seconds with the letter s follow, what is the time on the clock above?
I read 7h54
